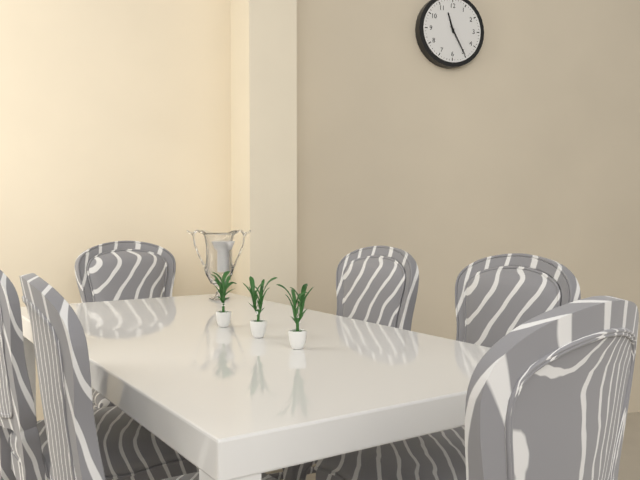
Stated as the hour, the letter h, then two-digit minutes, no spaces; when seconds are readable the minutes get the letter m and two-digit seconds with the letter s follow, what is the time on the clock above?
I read 11h25
